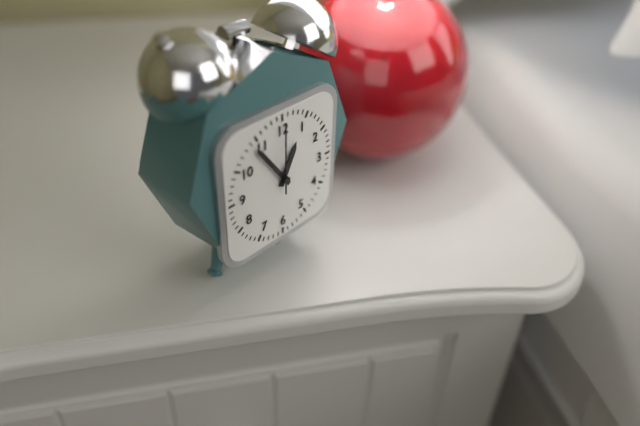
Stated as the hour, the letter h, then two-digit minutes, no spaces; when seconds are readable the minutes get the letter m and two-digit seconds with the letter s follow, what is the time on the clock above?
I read 12h54m00s
